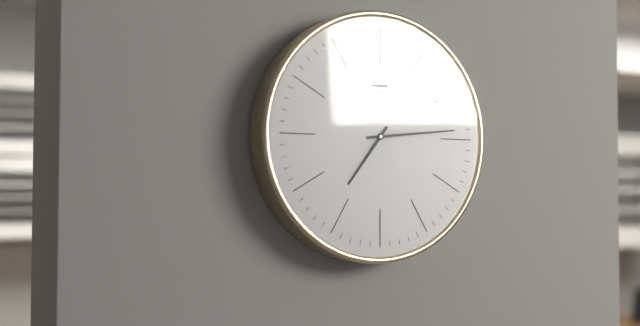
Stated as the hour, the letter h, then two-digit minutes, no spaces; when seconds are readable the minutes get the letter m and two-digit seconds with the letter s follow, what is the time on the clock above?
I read 7h14
